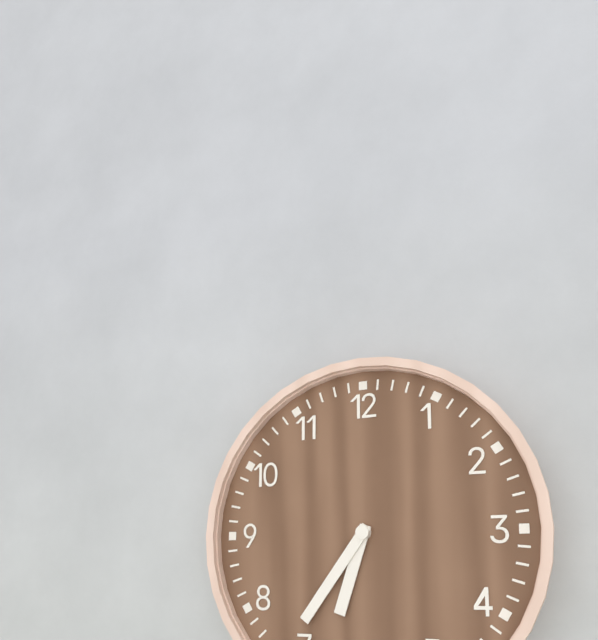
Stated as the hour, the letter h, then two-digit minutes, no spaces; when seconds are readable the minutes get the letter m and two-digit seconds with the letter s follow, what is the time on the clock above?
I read 6h36
